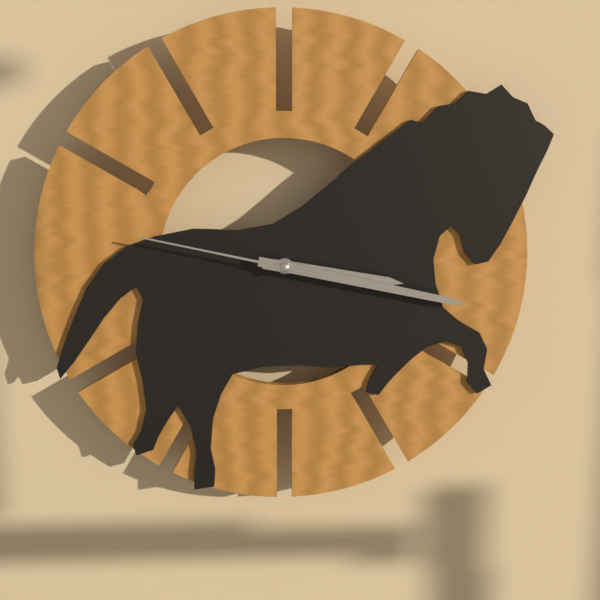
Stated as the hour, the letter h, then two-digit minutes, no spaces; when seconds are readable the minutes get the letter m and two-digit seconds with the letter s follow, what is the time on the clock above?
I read 3h17m47s
